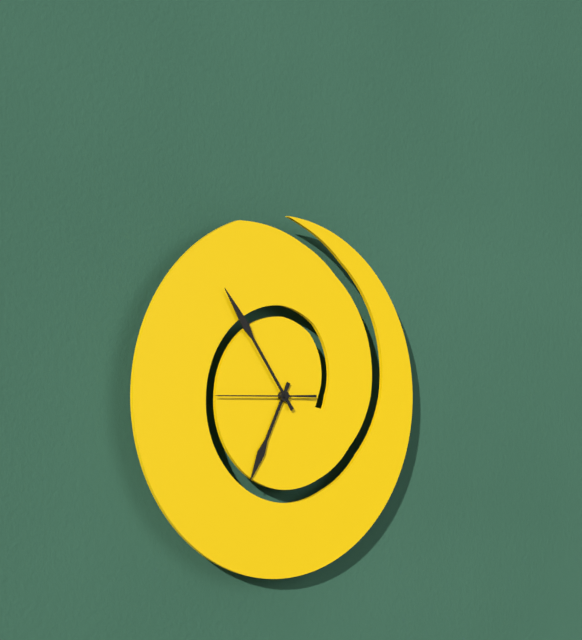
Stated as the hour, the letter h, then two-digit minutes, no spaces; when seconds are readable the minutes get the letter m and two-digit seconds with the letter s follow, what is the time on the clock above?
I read 6h54m45s
